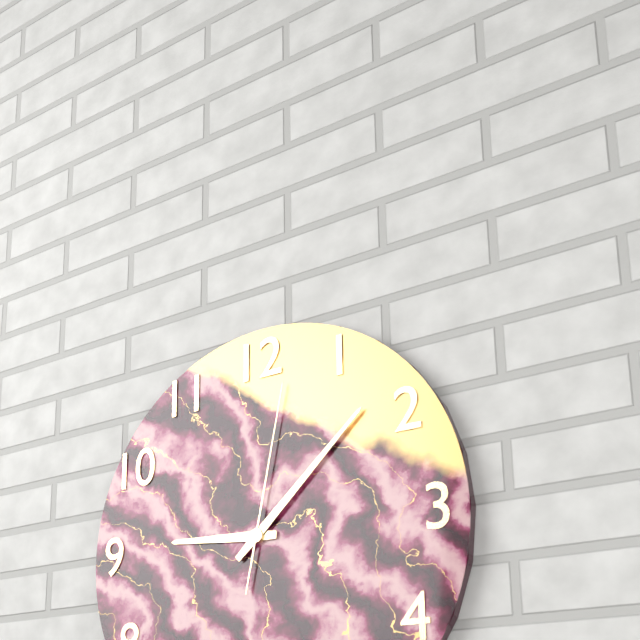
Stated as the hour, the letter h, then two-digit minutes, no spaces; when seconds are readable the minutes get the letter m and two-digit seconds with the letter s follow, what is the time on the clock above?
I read 9h08m02s
